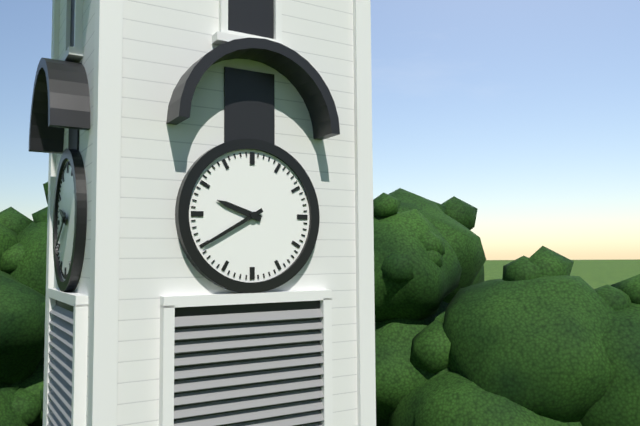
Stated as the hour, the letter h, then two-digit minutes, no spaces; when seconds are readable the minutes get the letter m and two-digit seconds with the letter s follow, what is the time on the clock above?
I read 9h40
